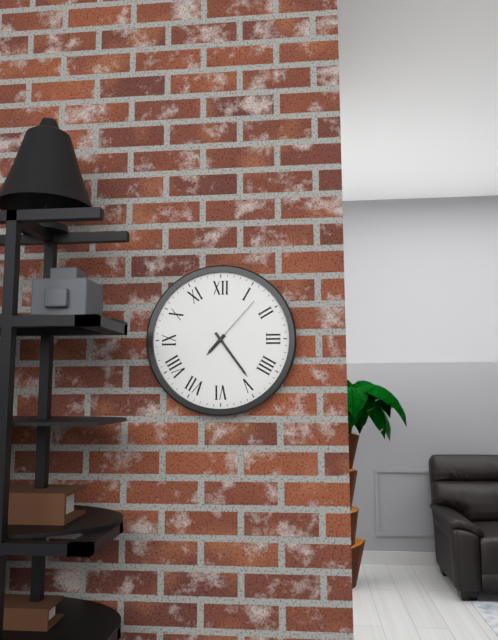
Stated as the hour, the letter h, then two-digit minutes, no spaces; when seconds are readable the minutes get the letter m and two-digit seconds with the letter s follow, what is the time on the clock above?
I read 7h24m07s
